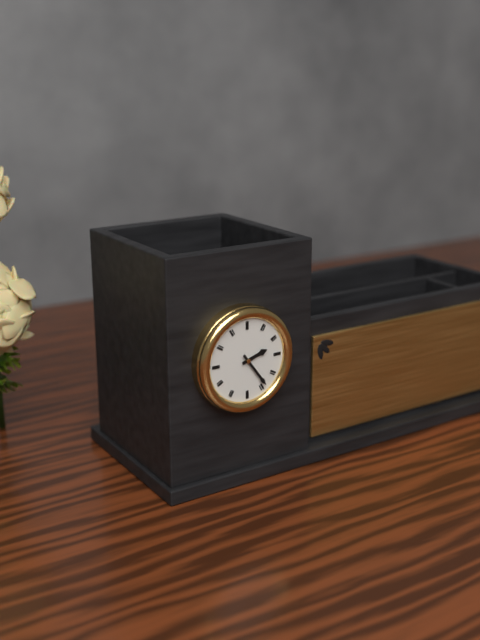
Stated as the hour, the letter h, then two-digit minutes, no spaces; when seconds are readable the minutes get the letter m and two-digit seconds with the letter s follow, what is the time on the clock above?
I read 2h24
